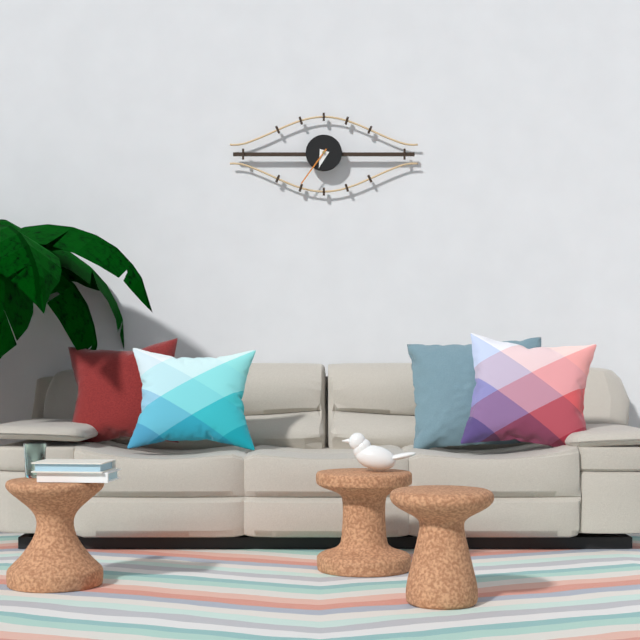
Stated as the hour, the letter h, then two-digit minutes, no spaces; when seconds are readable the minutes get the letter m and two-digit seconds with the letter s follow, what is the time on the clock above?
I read 6h36
